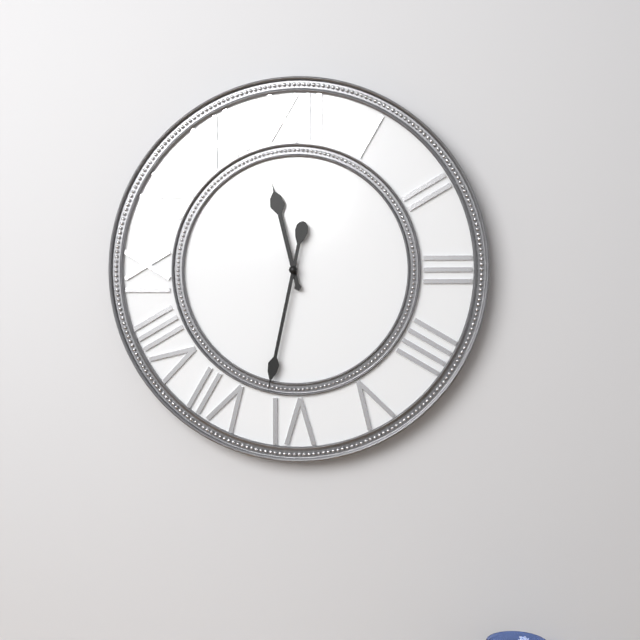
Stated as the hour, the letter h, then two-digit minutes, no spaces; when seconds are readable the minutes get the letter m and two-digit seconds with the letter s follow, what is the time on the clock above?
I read 11h32
